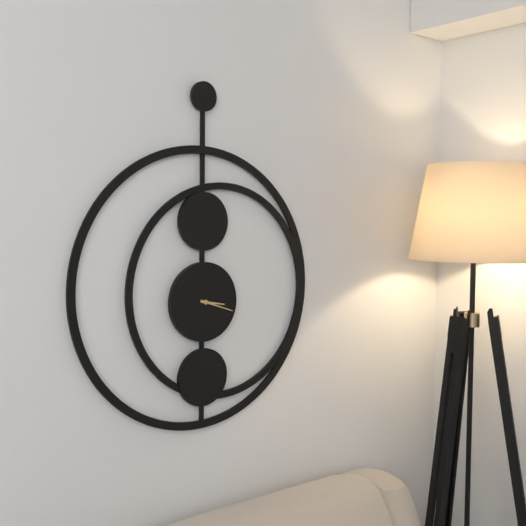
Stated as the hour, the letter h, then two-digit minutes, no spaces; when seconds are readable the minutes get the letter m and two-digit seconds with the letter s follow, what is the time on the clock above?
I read 3h18
